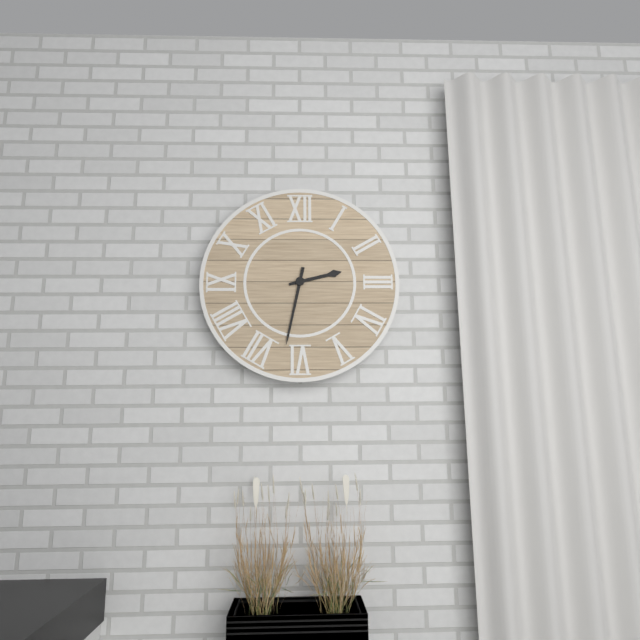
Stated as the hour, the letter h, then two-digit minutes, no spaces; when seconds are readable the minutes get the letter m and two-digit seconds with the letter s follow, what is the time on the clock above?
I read 2h32
